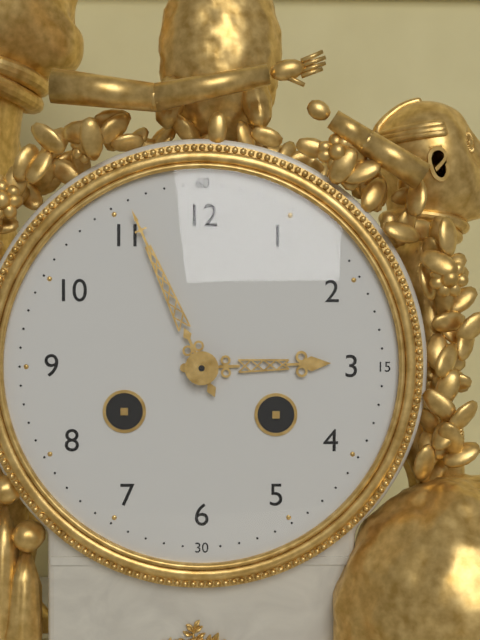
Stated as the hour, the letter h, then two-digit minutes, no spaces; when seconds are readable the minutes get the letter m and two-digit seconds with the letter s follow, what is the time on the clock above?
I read 2h56
